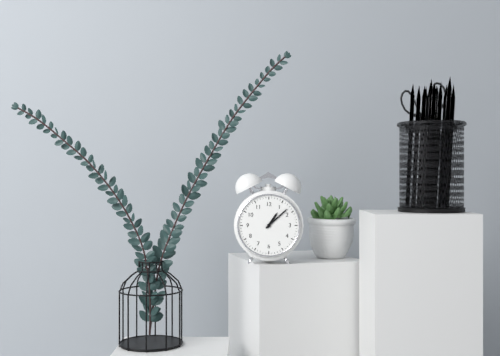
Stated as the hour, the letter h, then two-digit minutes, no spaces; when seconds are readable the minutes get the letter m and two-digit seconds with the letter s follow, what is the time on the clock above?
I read 1h08
